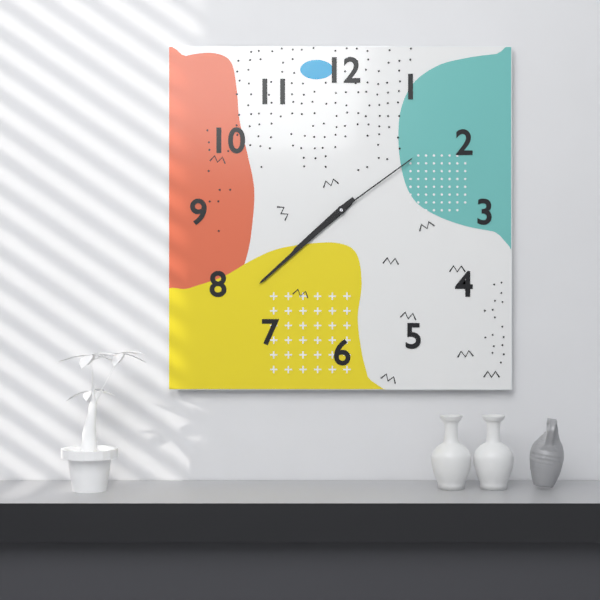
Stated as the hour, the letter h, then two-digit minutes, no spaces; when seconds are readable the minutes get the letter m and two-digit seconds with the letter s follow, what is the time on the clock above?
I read 7h38m09s
